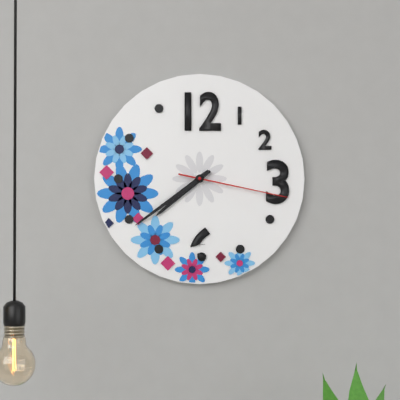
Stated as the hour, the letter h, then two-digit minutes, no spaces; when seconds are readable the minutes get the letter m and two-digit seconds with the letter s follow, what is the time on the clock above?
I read 7h39m17s
